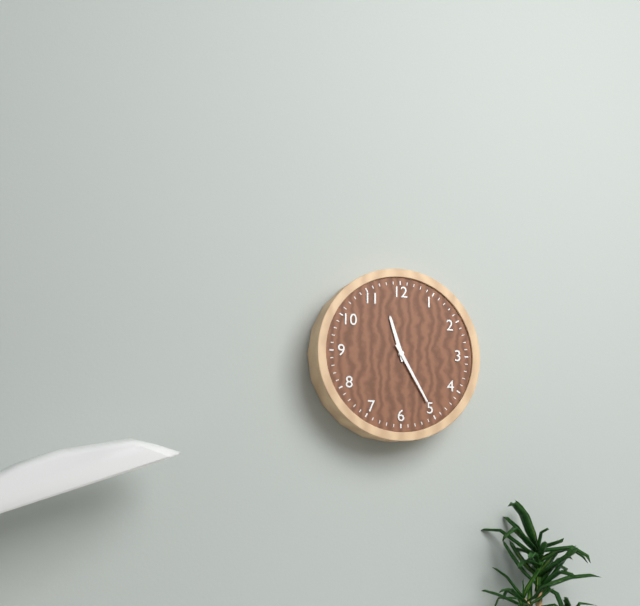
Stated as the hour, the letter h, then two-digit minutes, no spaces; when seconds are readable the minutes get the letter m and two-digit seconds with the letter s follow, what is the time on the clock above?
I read 11h25
